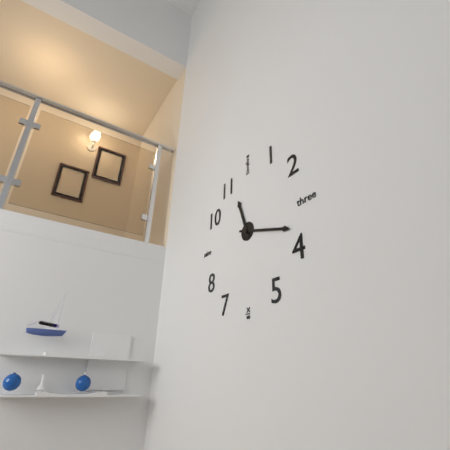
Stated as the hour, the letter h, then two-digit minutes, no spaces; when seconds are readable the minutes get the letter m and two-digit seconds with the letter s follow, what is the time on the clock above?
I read 11h18
